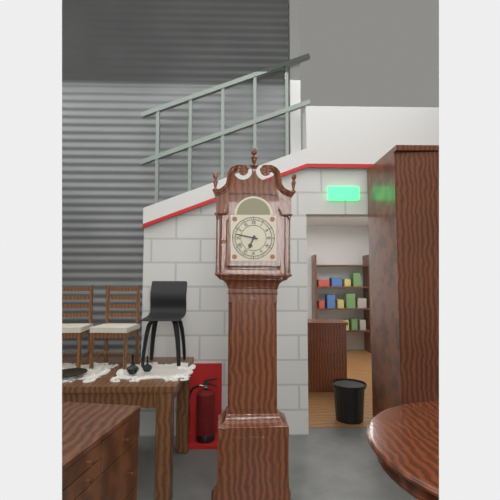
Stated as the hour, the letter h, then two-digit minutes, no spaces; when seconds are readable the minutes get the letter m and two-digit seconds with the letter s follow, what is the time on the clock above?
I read 6h47
